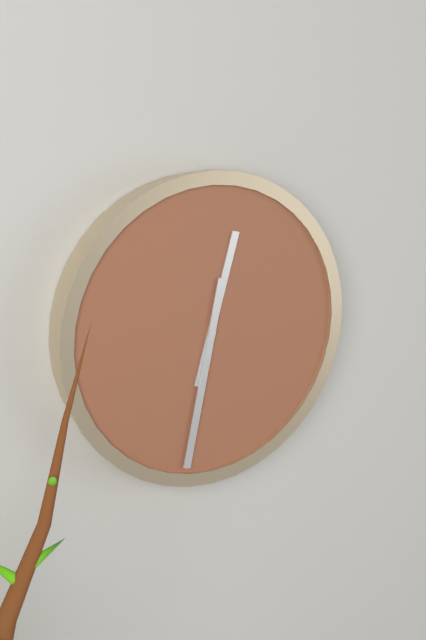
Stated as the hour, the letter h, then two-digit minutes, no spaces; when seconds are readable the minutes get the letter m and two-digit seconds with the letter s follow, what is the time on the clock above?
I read 12h32
